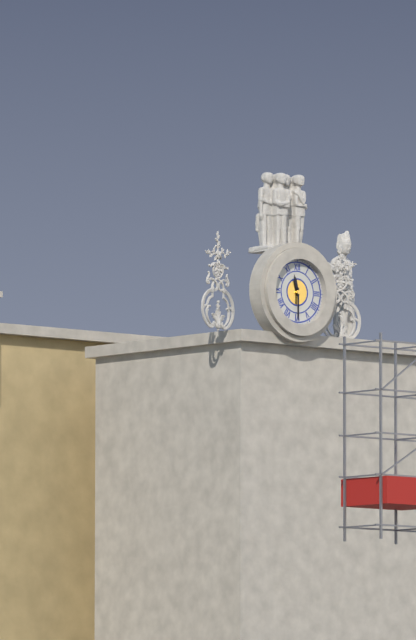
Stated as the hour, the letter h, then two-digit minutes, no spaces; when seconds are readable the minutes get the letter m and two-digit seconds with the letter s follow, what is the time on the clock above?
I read 11h30
